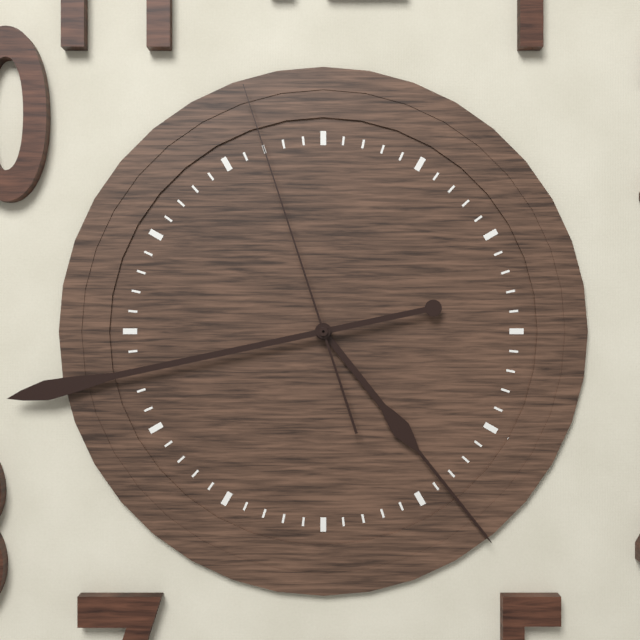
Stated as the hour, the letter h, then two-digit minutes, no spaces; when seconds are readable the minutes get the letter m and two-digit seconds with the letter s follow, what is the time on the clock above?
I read 4h43m57s
